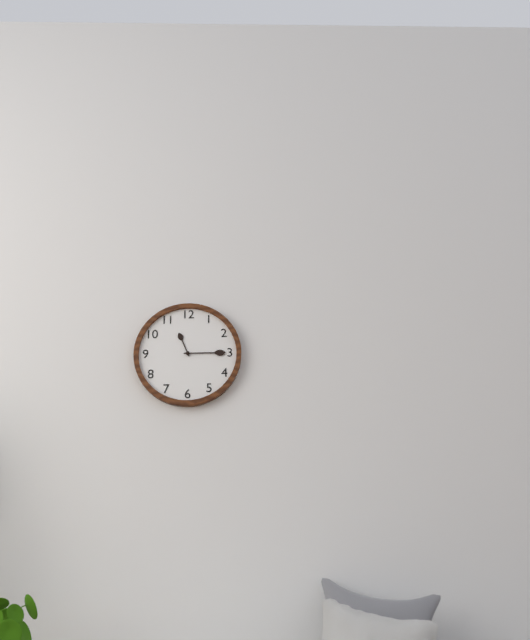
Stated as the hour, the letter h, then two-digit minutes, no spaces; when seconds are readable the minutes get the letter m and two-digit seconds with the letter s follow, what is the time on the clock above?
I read 11h15
